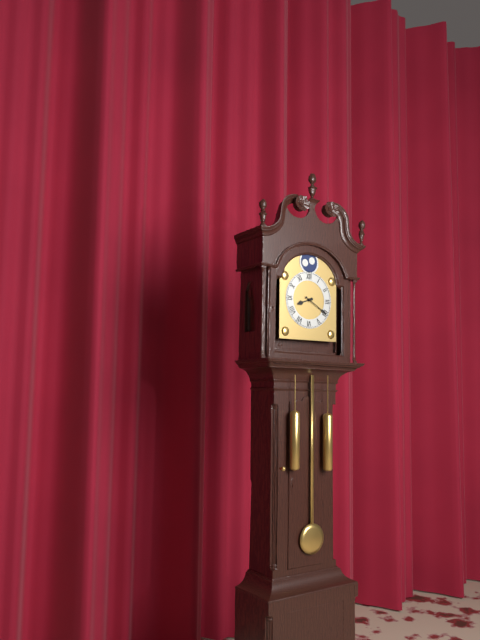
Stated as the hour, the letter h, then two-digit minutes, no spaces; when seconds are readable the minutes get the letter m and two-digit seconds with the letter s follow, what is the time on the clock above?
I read 8h20
